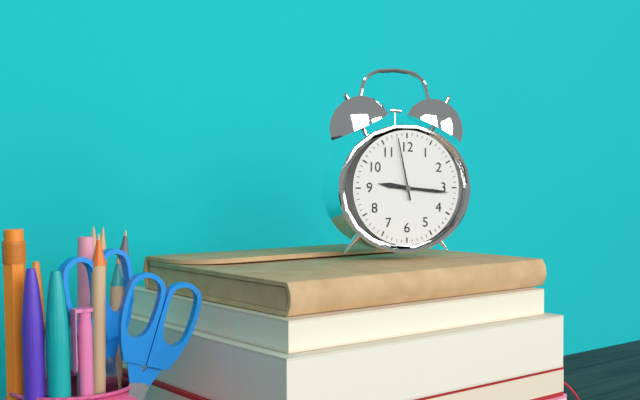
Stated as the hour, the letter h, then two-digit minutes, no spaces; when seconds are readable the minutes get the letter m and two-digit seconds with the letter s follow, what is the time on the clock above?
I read 9h16m58s
